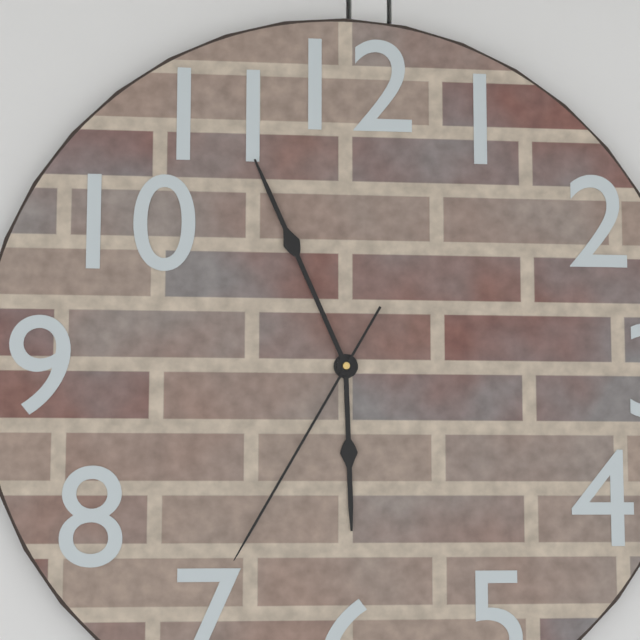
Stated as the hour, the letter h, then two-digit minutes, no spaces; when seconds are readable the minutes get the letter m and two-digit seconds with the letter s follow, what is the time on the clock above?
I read 5h56m35s
